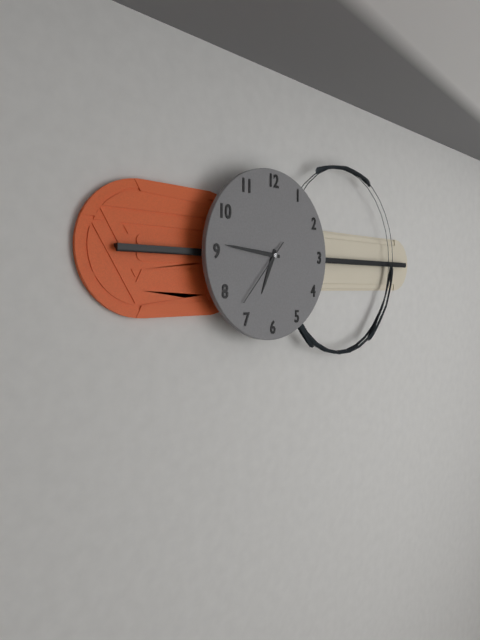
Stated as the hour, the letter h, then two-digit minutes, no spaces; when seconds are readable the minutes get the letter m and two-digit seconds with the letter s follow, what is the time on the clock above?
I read 6h46m37s
